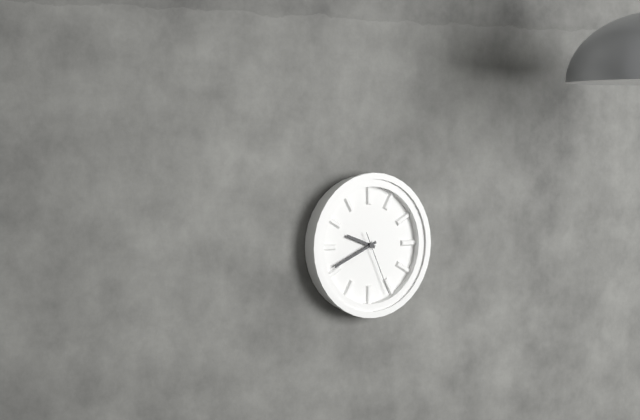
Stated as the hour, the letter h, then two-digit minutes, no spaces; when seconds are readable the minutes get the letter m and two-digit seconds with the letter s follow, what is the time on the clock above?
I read 9h41m26s
